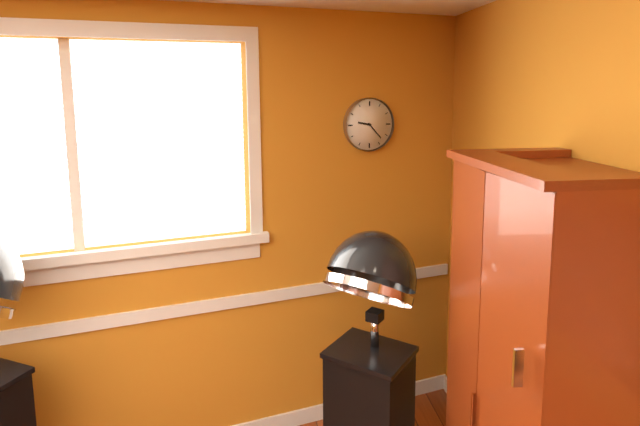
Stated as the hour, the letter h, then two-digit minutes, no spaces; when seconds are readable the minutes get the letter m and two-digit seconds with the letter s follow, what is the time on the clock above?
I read 9h23
